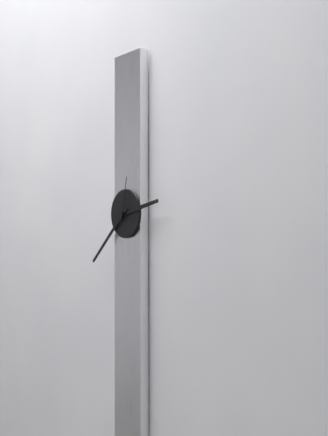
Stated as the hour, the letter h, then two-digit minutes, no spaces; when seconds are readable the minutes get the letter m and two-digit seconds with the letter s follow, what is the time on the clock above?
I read 2h38
